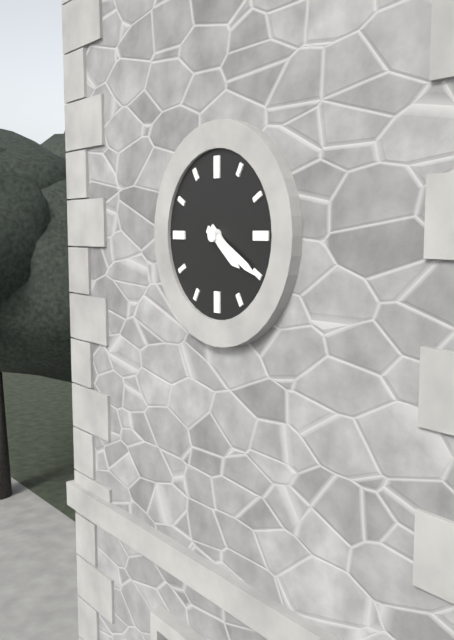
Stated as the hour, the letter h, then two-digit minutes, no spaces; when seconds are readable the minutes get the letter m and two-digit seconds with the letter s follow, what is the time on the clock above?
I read 4h20
